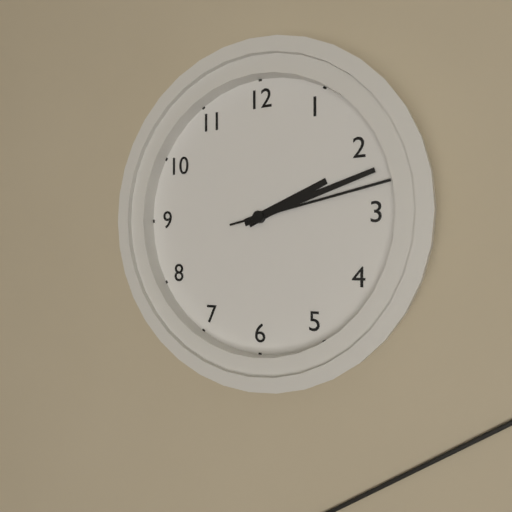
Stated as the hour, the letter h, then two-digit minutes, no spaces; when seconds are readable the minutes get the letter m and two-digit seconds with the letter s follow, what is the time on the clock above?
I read 2h12m13s
